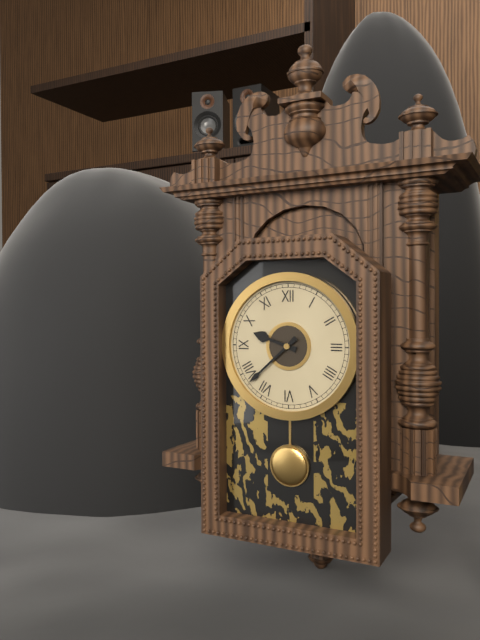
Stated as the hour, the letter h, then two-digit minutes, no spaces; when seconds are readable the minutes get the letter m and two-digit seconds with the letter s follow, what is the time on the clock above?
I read 9h38
